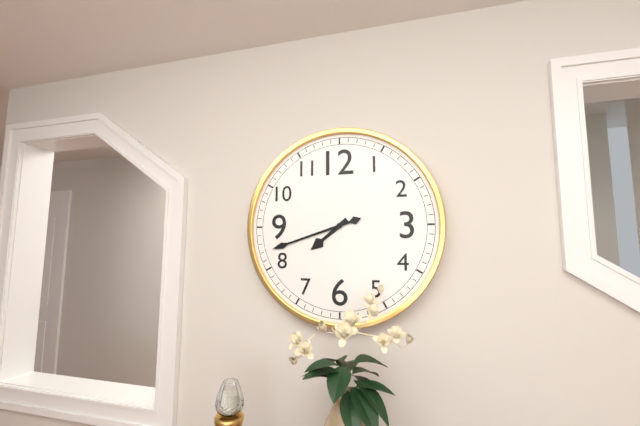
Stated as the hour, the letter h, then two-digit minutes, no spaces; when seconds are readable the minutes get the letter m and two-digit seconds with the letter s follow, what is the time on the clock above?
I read 7h42
